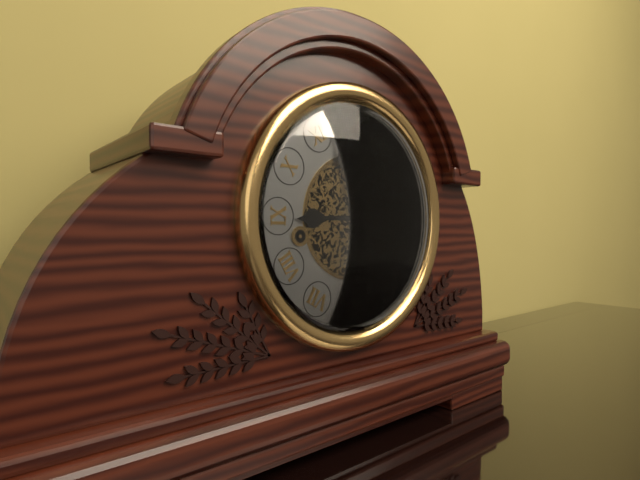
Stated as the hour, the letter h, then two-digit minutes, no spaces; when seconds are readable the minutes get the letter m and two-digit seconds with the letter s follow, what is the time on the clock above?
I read 8h57
